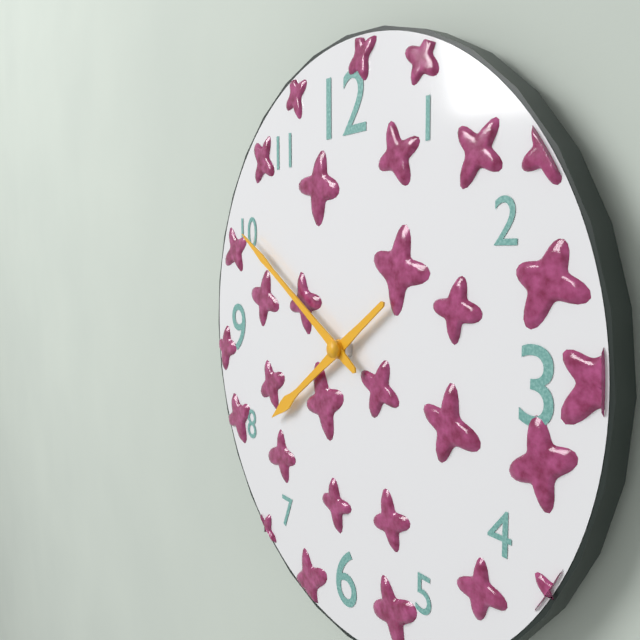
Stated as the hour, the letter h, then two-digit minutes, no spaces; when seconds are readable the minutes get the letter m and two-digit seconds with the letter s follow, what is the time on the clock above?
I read 7h50
